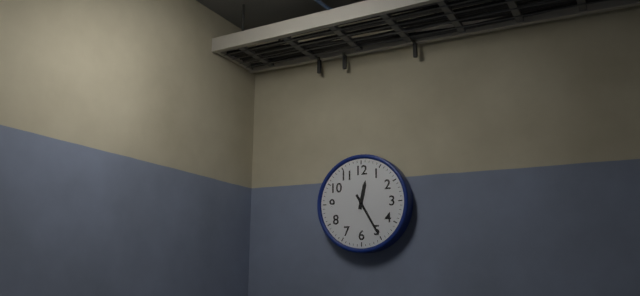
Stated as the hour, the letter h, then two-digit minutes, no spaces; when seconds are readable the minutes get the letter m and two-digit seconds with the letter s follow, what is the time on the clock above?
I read 12h25
